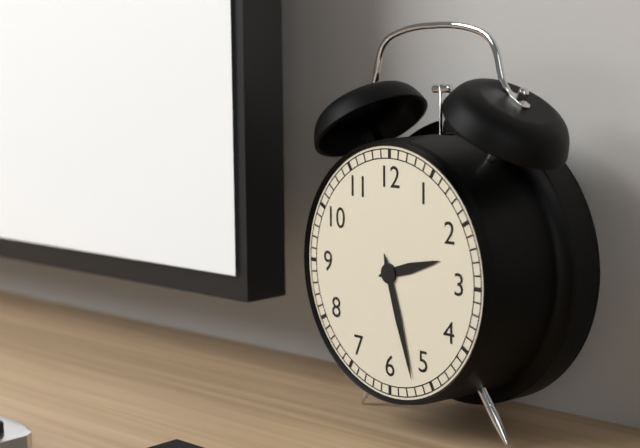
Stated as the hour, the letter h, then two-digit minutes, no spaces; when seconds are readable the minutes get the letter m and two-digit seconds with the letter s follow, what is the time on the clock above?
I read 2h27
